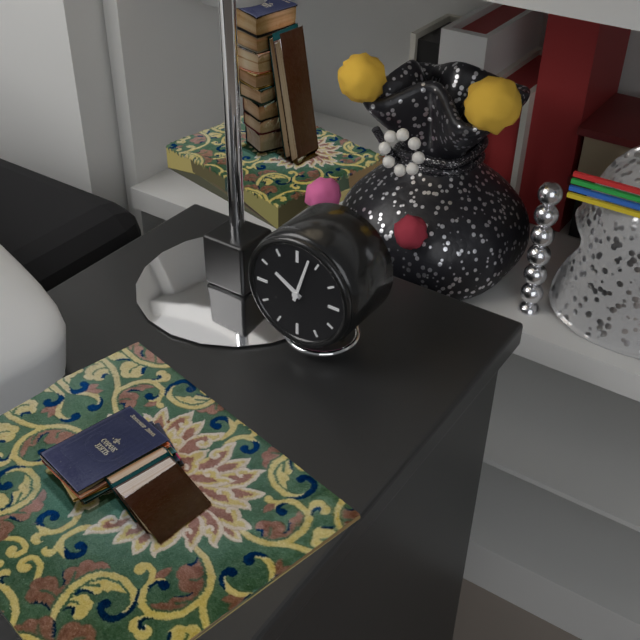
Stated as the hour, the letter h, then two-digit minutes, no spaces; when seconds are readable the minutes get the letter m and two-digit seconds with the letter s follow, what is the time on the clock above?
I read 10h03
